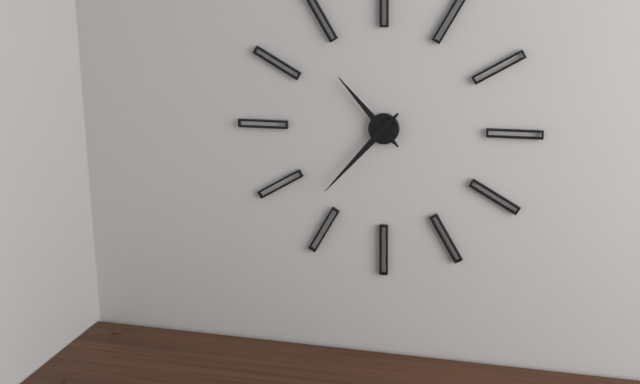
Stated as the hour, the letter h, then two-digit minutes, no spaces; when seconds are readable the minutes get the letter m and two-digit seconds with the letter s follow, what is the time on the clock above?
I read 10h37
